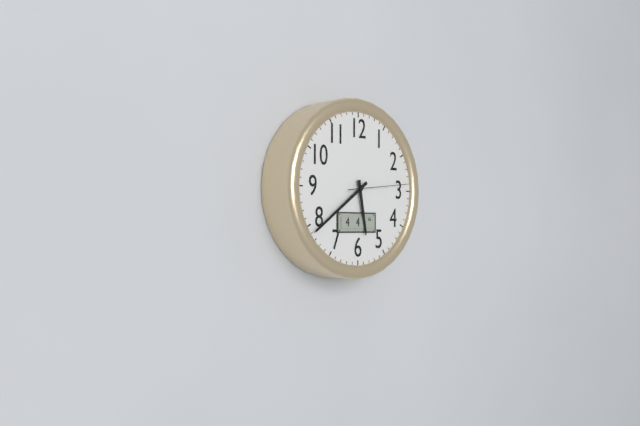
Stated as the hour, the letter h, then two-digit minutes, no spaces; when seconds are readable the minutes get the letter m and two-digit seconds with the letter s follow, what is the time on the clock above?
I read 5h39m14s
